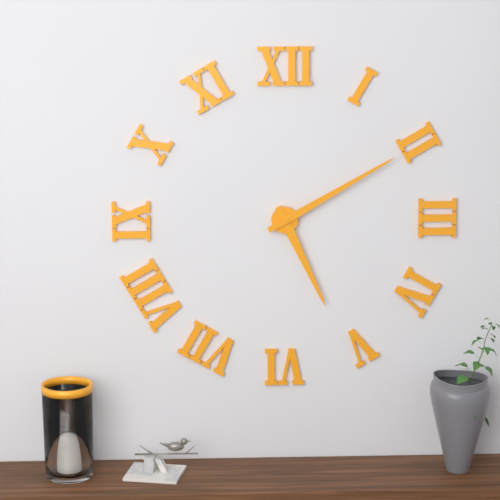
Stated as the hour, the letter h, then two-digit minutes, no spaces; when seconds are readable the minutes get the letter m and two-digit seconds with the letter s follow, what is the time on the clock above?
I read 5h10
